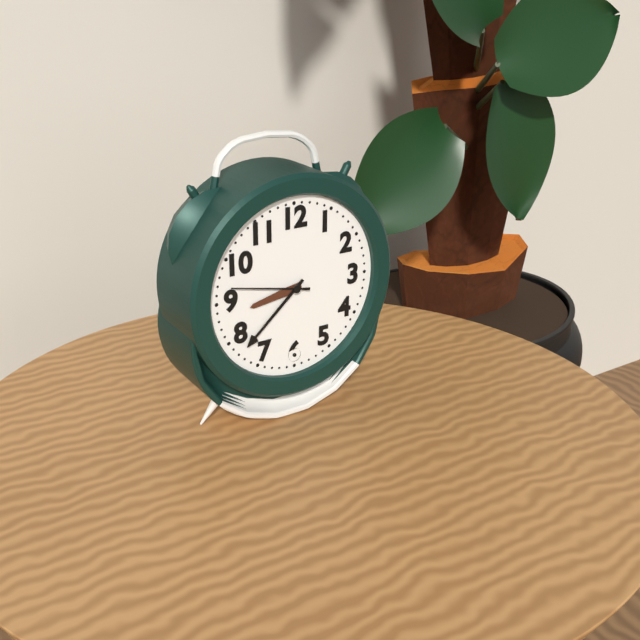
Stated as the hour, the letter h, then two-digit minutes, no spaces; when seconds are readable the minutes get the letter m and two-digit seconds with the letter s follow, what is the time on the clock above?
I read 8h38m47s
